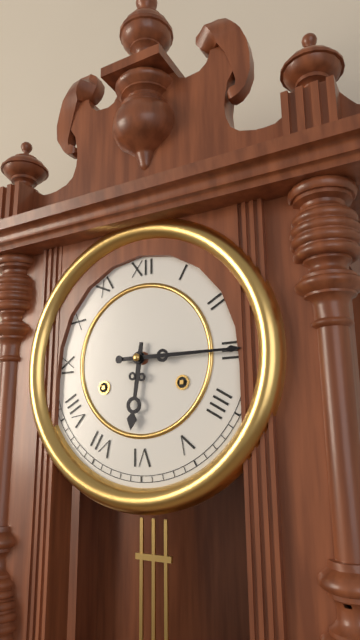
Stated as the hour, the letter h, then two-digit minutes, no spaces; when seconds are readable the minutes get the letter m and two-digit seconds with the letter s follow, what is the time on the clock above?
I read 6h15
